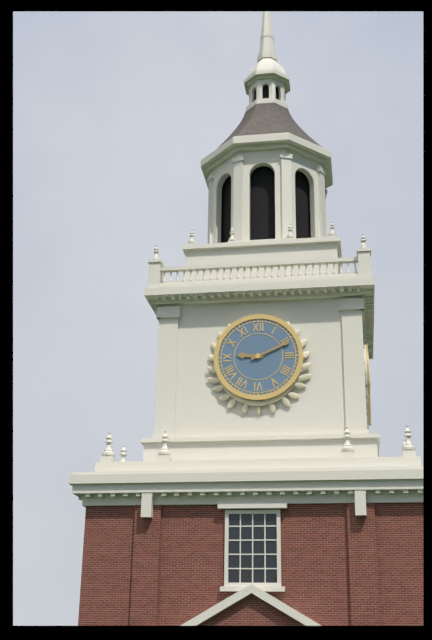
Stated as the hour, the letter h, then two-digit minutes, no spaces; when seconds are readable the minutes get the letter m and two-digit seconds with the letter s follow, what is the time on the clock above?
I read 9h11
